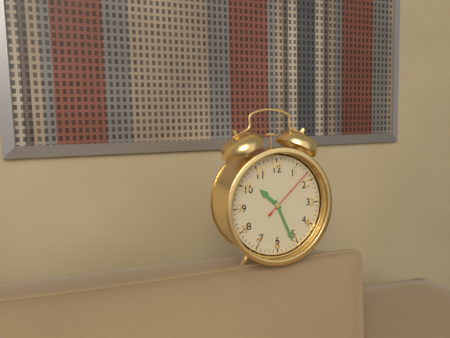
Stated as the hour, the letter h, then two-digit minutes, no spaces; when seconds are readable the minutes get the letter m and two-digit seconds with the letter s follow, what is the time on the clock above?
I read 10h26m08s
